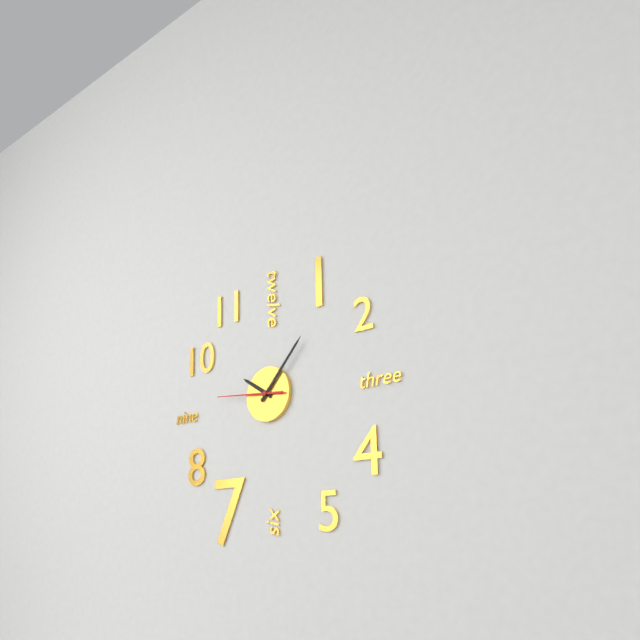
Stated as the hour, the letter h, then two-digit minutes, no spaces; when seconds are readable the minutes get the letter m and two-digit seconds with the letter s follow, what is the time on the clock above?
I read 10h07m46s
